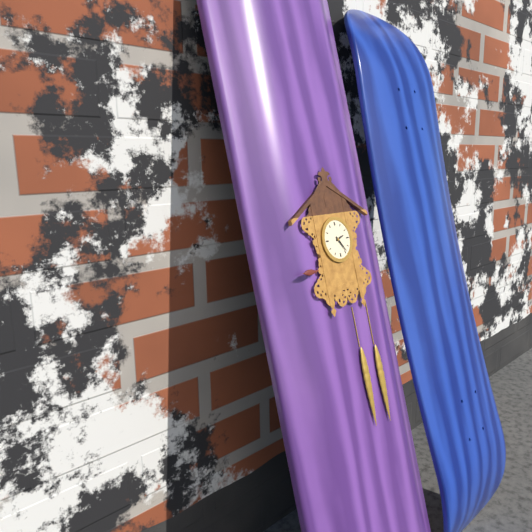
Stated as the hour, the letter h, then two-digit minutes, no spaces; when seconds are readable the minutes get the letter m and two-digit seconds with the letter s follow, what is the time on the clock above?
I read 2h24
